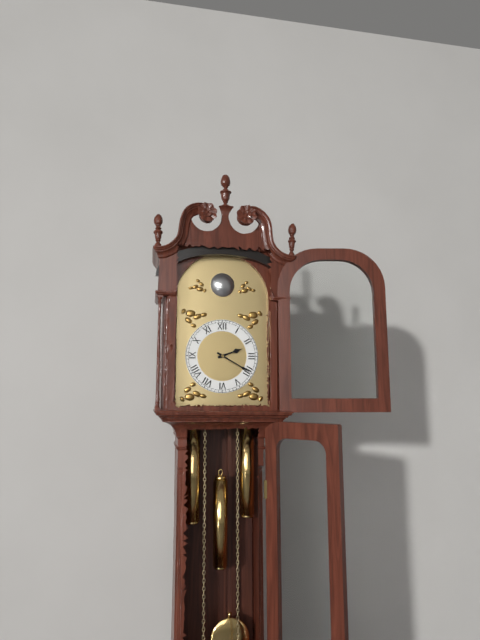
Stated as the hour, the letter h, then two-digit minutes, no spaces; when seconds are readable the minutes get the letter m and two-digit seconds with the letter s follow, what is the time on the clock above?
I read 2h20
